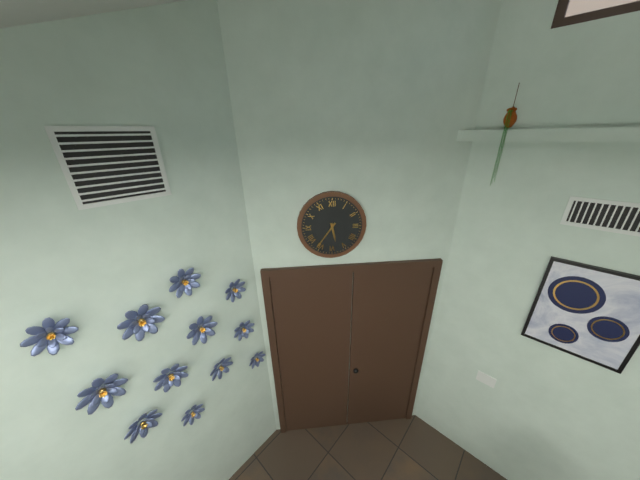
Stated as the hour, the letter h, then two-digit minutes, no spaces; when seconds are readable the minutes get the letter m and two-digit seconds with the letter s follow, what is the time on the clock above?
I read 5h36
